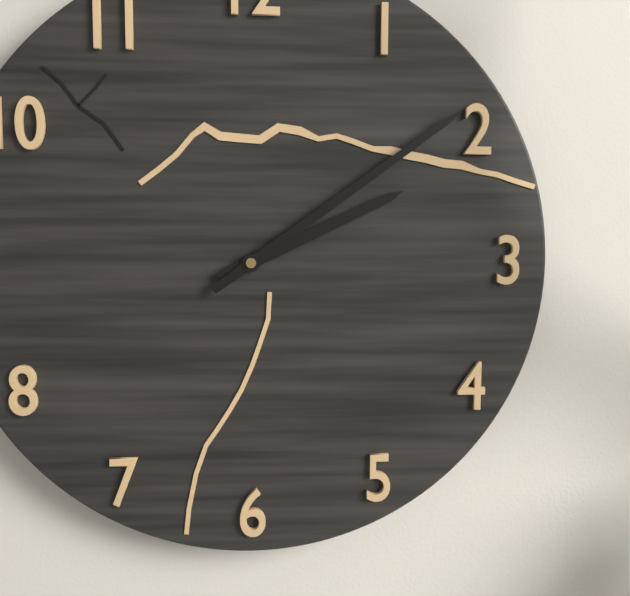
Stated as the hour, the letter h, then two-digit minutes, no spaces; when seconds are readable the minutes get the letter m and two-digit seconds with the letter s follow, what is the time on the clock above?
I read 2h09
